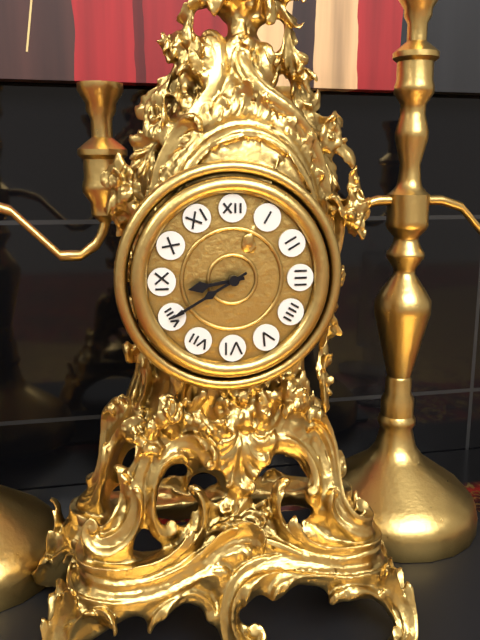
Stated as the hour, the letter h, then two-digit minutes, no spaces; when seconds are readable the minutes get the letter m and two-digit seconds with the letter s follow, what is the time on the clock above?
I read 8h40
